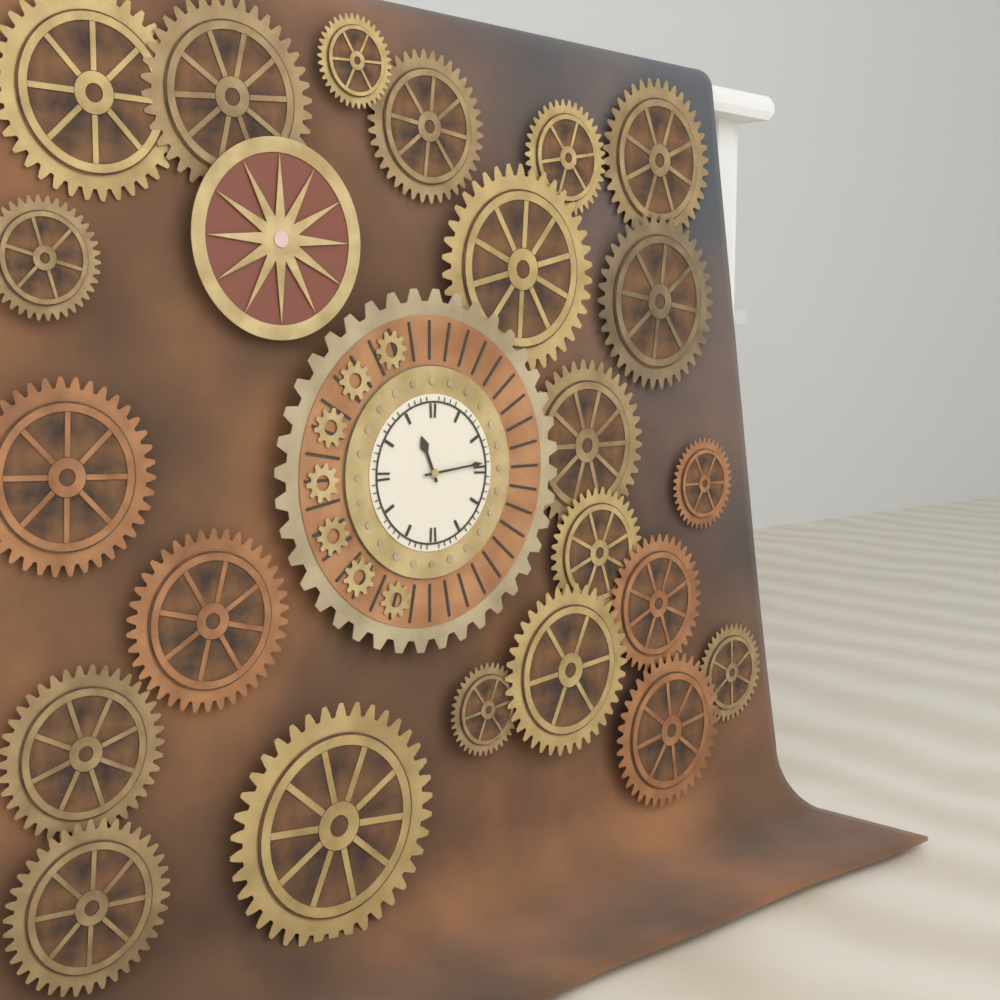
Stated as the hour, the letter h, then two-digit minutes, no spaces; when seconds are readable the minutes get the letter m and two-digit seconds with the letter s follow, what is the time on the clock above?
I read 11h14
